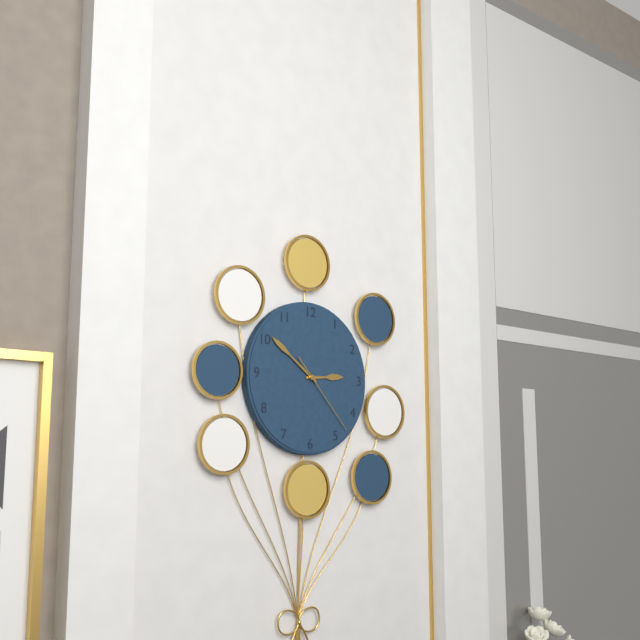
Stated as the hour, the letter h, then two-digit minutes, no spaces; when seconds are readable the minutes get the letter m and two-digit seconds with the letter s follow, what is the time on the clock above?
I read 2h51m23s
